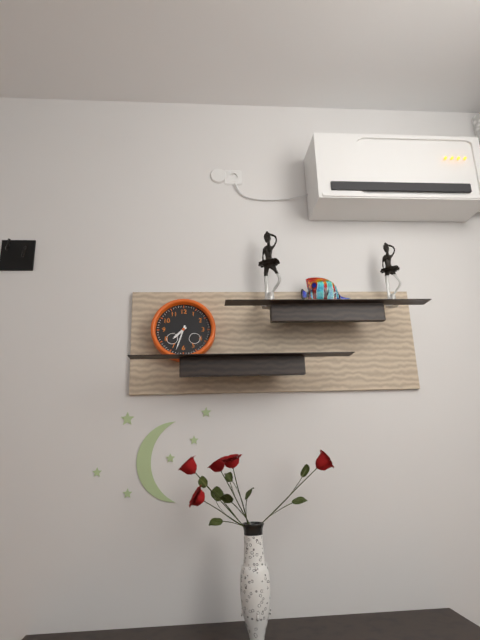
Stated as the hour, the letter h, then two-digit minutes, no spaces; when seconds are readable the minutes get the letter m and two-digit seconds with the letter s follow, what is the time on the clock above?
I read 7h33
